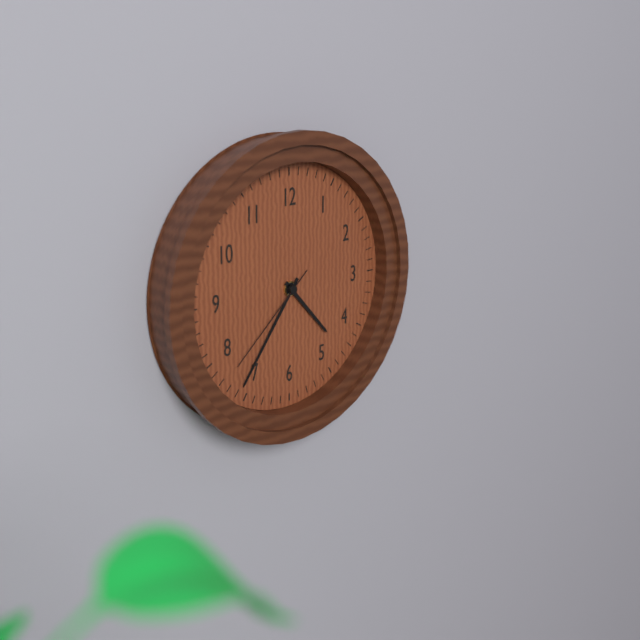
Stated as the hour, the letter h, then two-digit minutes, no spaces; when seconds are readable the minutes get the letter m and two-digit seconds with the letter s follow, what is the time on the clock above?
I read 4h36m38s
